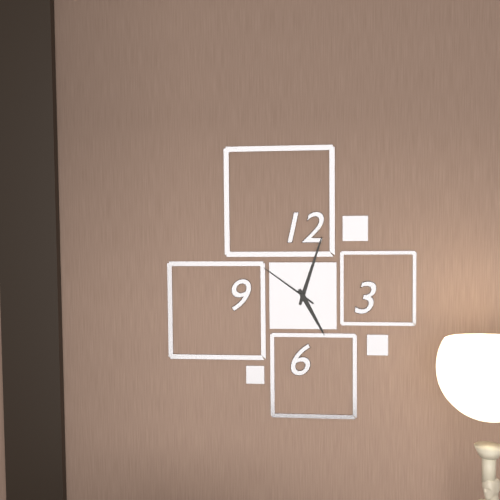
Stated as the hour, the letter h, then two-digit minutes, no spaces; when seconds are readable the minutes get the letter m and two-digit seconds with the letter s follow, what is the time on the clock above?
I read 5h03m51s
